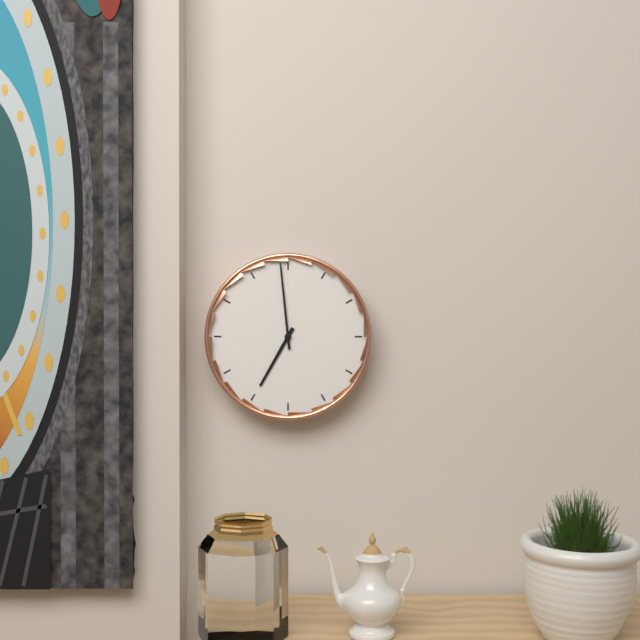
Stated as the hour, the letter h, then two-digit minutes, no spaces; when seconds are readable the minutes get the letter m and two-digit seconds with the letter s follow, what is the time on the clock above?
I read 6h59
